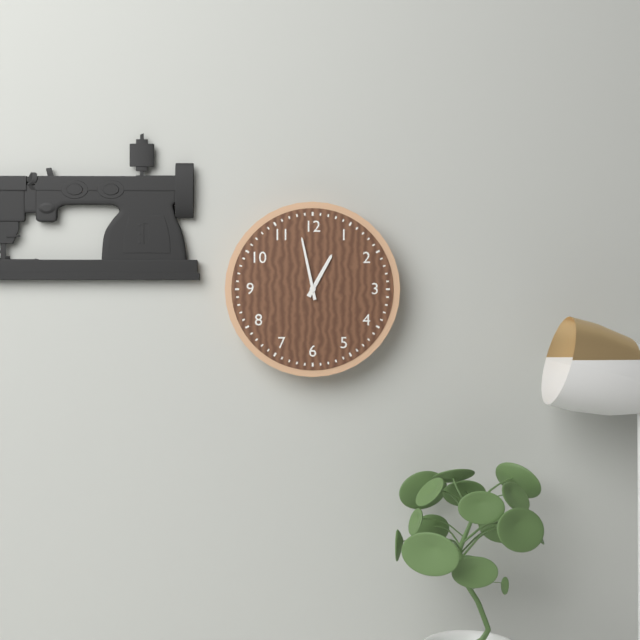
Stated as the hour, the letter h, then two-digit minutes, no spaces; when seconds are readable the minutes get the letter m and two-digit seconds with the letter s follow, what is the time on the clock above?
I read 12h58
